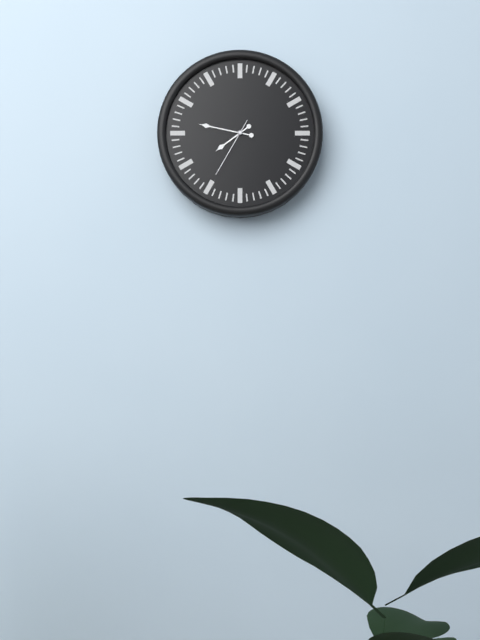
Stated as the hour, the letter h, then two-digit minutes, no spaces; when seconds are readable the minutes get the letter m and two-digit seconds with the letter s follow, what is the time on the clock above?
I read 7h47m35s
